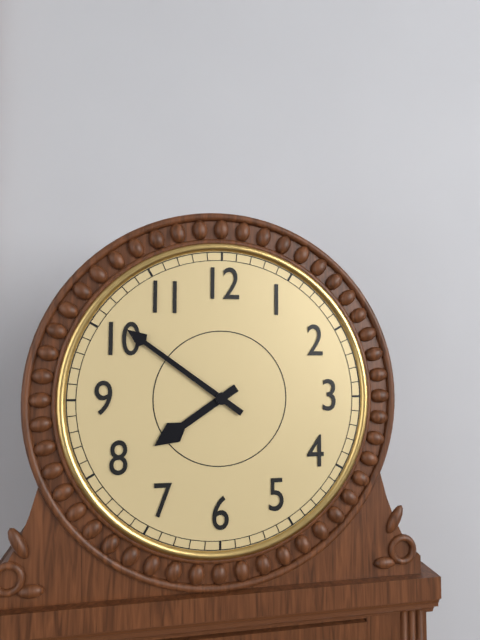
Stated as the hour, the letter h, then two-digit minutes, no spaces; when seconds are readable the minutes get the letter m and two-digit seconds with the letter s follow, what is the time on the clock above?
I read 7h51
